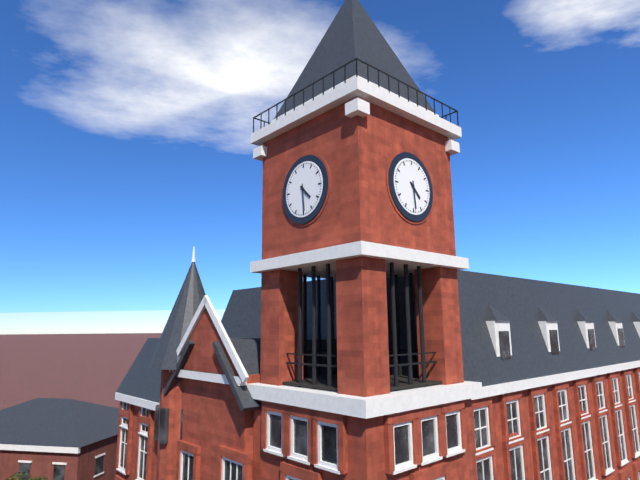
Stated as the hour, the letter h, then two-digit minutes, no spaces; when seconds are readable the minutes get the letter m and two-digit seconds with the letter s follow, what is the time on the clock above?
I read 4h29
